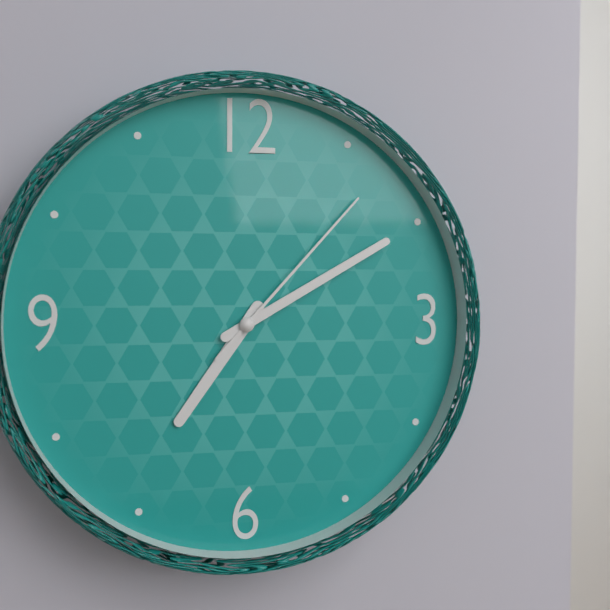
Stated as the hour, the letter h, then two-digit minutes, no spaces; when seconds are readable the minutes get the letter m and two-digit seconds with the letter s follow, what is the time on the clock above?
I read 7h10m07s
